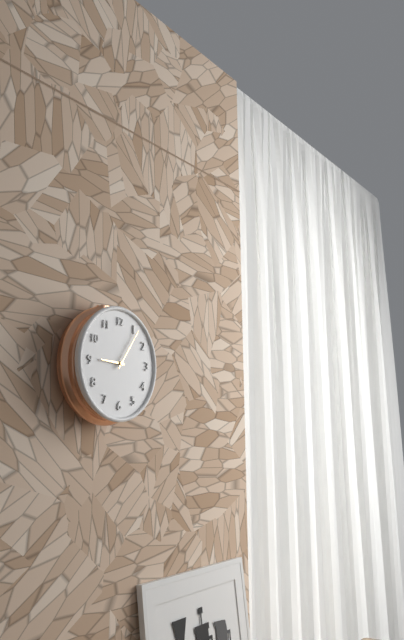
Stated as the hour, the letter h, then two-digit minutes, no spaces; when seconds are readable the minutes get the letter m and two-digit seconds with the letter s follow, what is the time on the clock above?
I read 9h06
